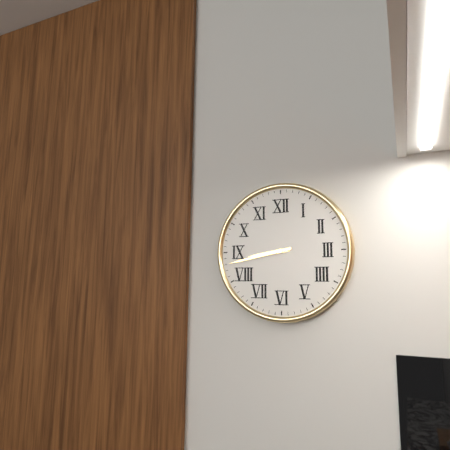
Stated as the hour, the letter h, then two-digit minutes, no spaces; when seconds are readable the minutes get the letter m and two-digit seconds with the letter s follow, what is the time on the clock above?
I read 8h43
